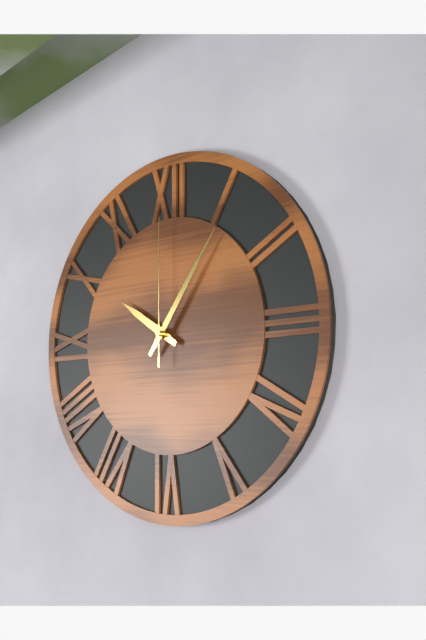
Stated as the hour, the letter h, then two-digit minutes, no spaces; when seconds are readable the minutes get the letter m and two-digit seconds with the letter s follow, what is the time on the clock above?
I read 10h06m00s
